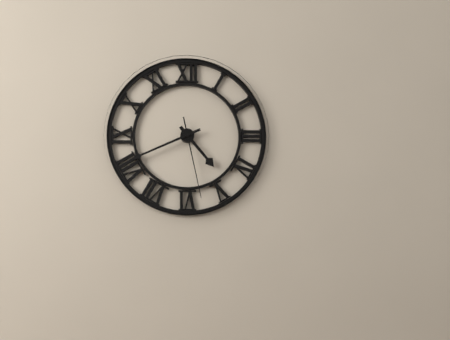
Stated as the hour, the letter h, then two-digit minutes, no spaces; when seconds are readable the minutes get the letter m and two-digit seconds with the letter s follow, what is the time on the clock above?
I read 4h41m28s
